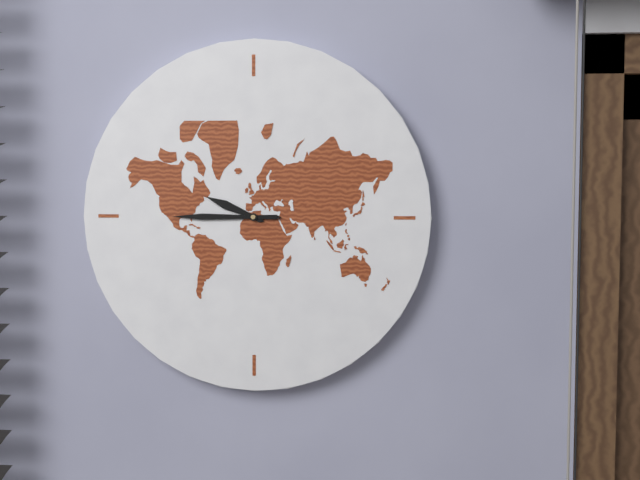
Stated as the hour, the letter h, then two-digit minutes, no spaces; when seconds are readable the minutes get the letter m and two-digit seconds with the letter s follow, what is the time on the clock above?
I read 9h45
